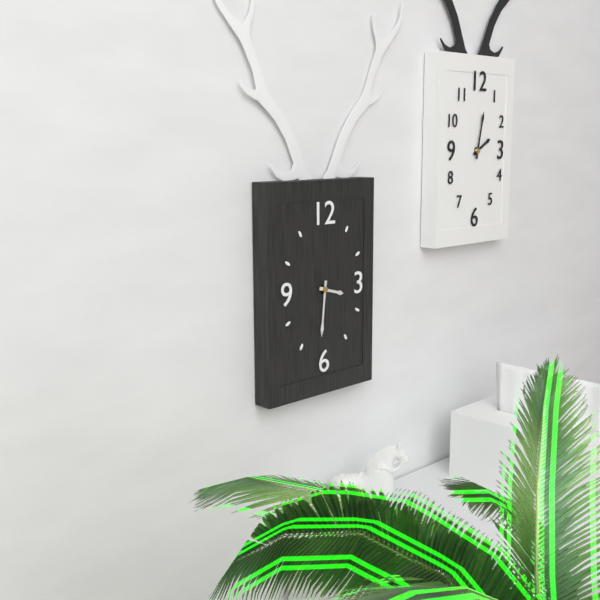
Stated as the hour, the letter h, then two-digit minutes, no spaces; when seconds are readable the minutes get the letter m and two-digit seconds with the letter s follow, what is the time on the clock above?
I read 3h31
